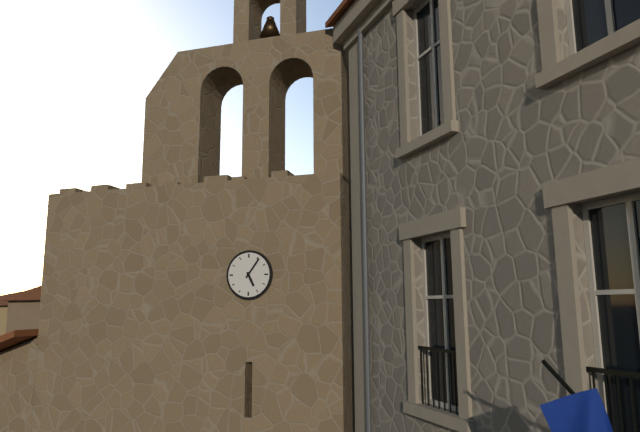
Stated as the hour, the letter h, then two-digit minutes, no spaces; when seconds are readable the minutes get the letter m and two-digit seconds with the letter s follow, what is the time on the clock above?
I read 5h06
